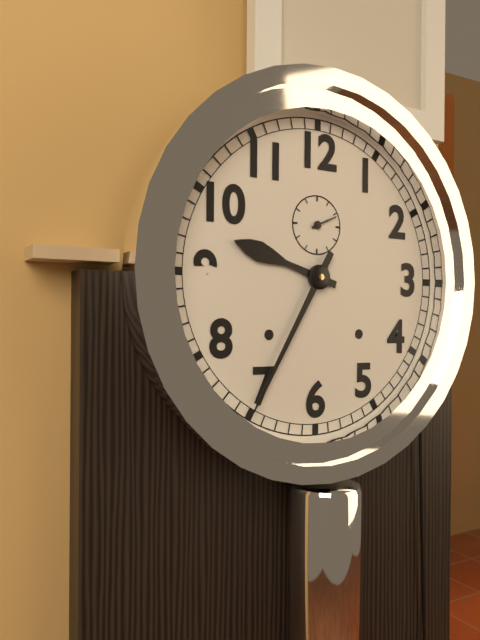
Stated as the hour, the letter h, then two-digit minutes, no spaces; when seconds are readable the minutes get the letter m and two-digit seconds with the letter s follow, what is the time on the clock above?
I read 9h35
